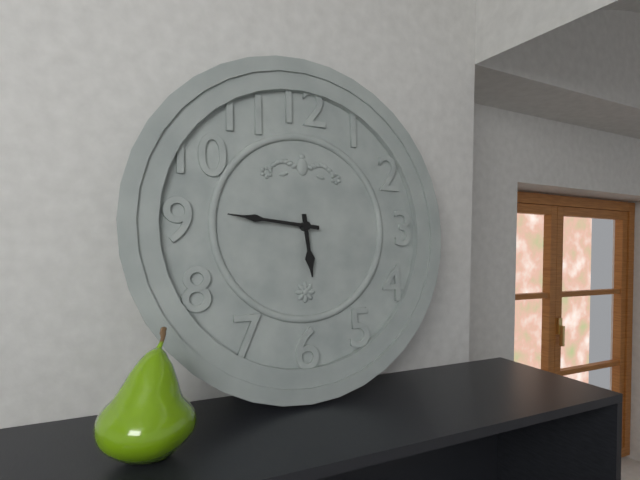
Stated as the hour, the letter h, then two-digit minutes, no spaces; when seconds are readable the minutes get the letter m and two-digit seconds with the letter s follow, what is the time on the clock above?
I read 5h46
